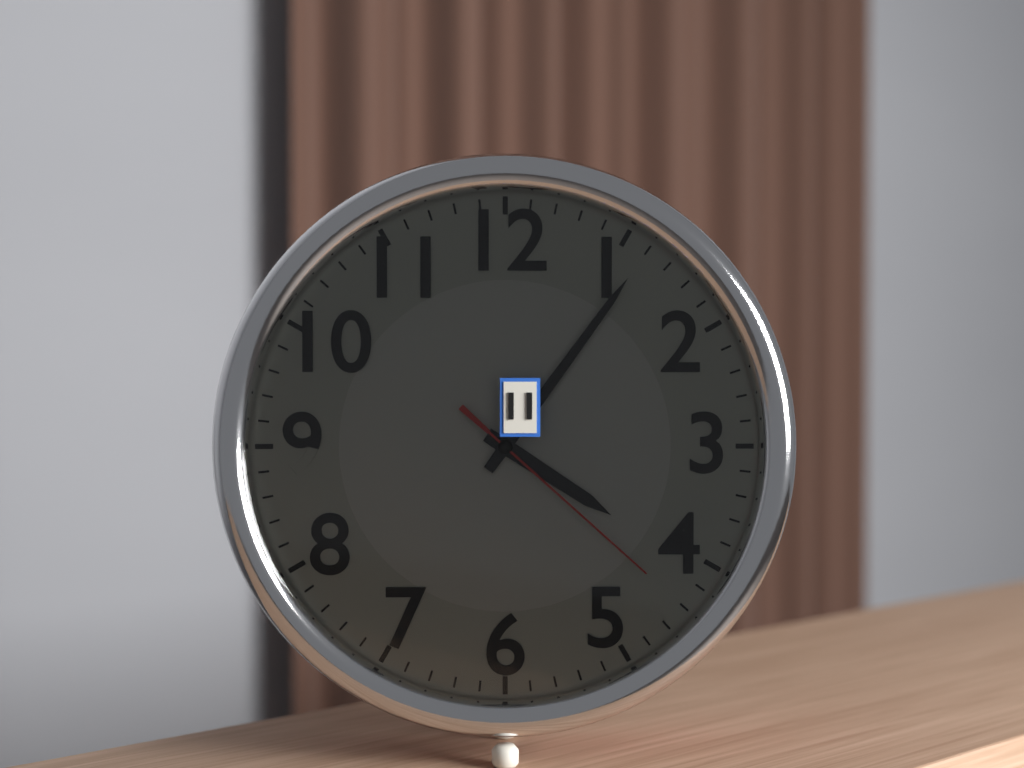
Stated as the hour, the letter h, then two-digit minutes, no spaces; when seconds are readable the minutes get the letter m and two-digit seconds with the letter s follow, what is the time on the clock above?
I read 4h06m22s
